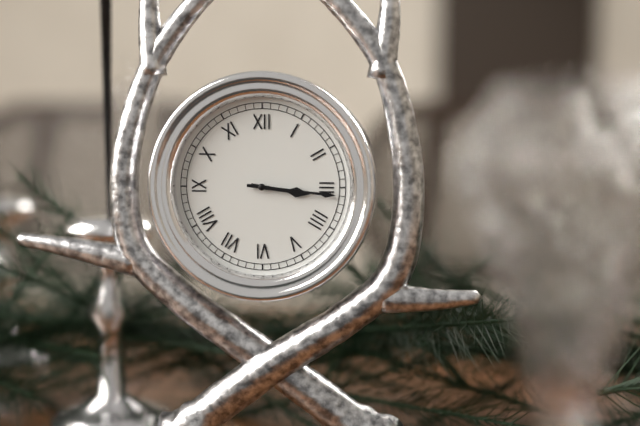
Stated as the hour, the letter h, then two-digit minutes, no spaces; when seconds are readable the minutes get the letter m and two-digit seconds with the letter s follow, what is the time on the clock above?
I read 3h16
